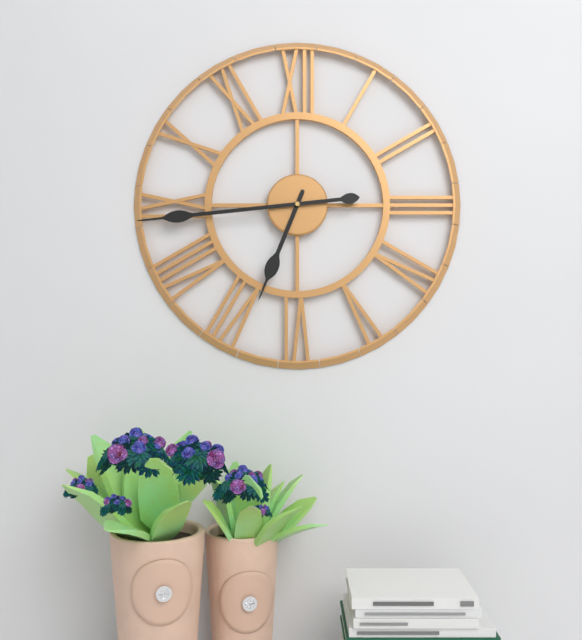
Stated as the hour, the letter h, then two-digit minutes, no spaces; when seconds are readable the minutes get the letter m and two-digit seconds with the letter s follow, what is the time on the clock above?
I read 6h44
